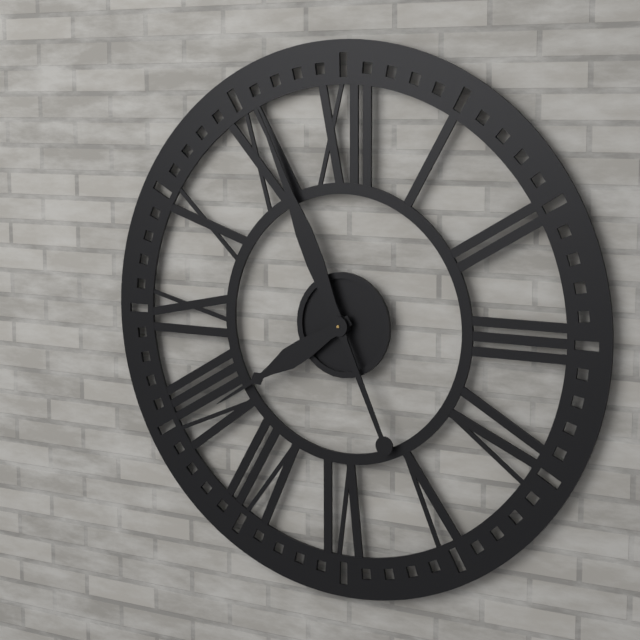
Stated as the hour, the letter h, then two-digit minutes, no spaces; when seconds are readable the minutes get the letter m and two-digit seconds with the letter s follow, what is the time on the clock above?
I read 7h56
